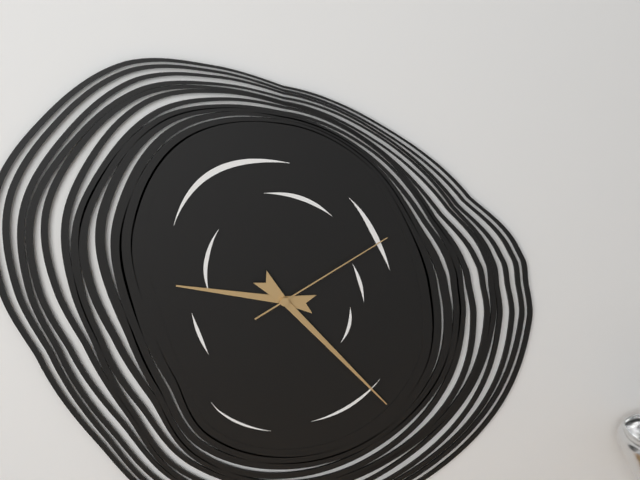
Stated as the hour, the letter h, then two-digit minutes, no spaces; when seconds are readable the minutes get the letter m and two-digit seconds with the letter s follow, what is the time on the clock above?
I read 9h23m10s
